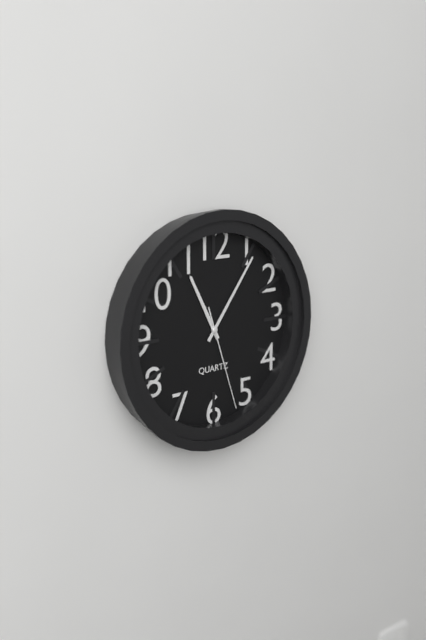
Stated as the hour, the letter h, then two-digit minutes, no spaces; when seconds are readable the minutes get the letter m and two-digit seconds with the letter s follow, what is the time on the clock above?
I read 11h06m27s
